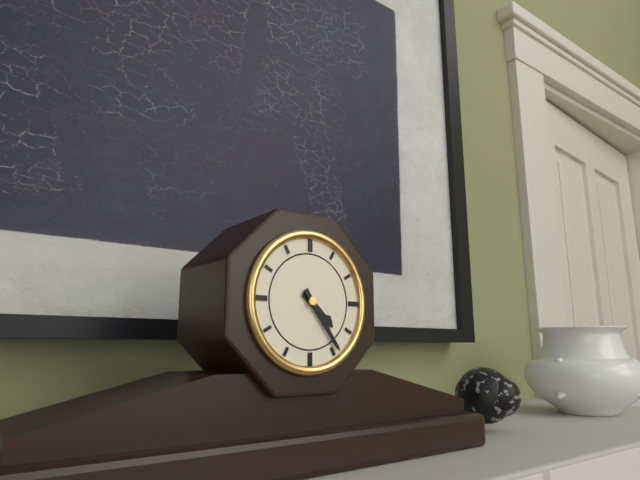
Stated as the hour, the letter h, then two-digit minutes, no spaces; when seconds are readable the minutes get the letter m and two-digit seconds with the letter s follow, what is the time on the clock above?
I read 4h24
